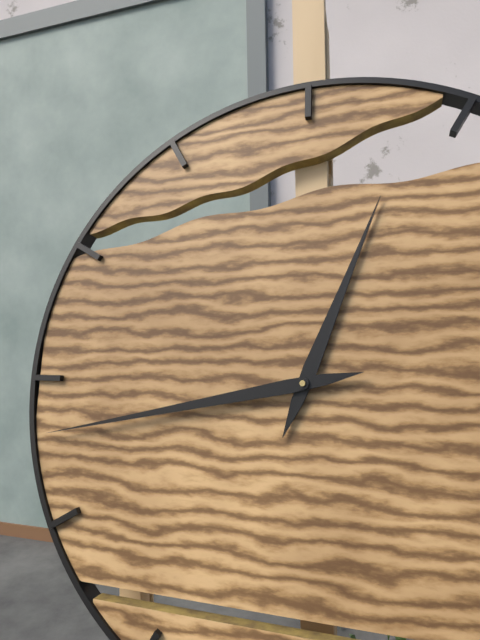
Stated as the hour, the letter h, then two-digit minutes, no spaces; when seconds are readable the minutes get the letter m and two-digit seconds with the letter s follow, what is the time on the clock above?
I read 12h43
